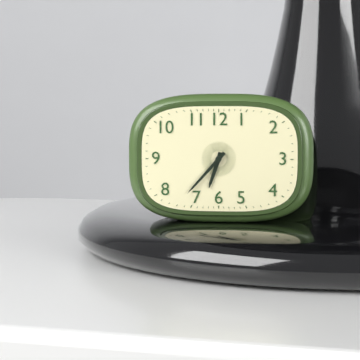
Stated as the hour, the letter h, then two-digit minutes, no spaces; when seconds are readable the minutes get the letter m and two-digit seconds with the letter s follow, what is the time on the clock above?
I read 6h37
